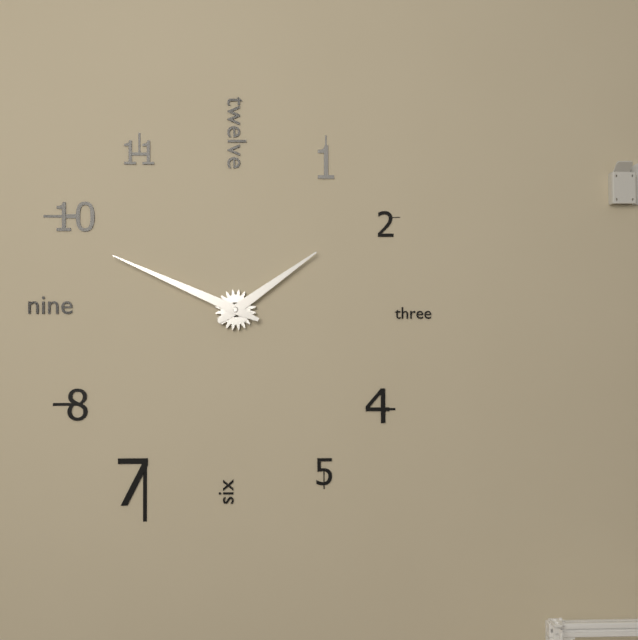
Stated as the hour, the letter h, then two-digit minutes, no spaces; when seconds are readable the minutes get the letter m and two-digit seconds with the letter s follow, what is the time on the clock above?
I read 1h49
